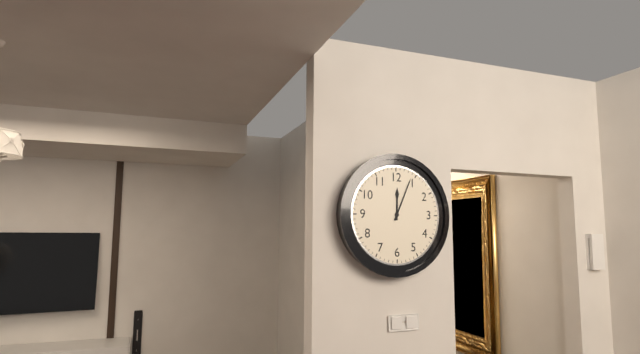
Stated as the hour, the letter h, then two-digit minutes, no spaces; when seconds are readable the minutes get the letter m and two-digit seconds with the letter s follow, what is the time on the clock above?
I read 12h04
